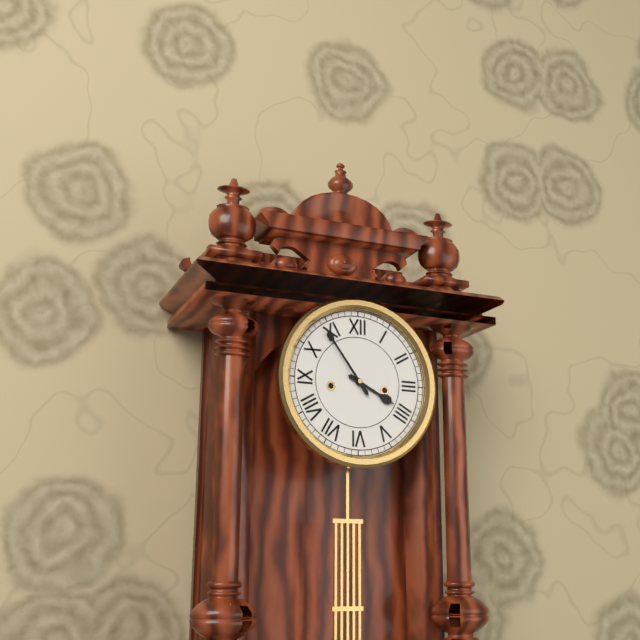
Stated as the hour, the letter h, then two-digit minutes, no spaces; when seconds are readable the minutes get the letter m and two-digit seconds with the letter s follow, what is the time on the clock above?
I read 3h54
